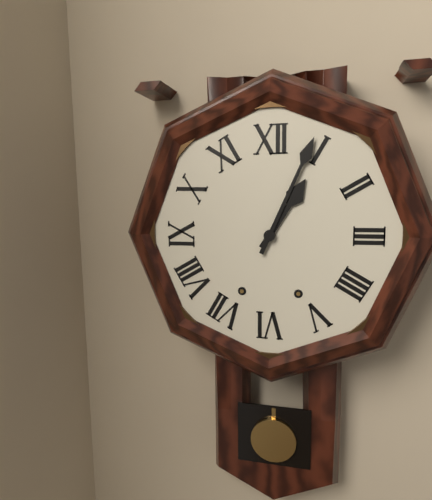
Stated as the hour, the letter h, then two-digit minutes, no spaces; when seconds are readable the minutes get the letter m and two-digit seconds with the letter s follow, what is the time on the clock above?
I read 1h04
